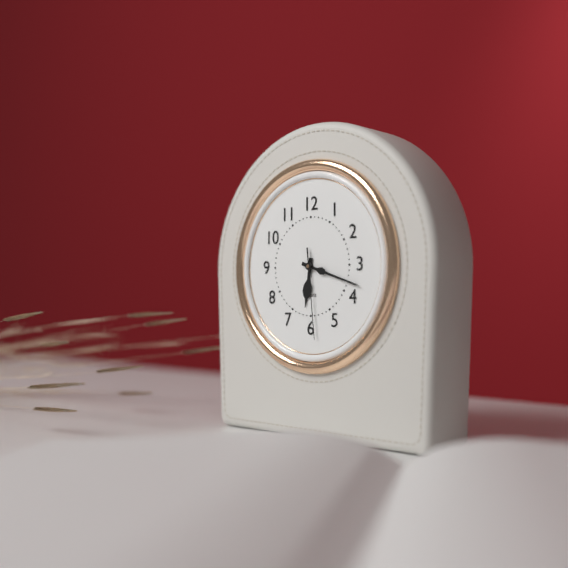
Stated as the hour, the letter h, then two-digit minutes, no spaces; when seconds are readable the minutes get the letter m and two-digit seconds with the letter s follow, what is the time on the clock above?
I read 6h18m29s
